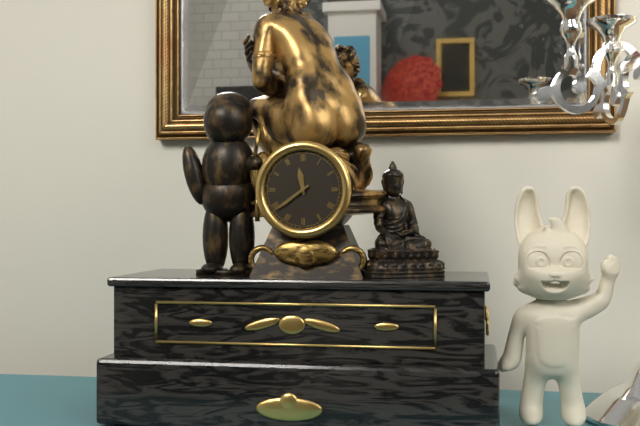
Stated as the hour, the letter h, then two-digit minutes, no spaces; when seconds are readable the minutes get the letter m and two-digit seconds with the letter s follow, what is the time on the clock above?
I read 11h39
